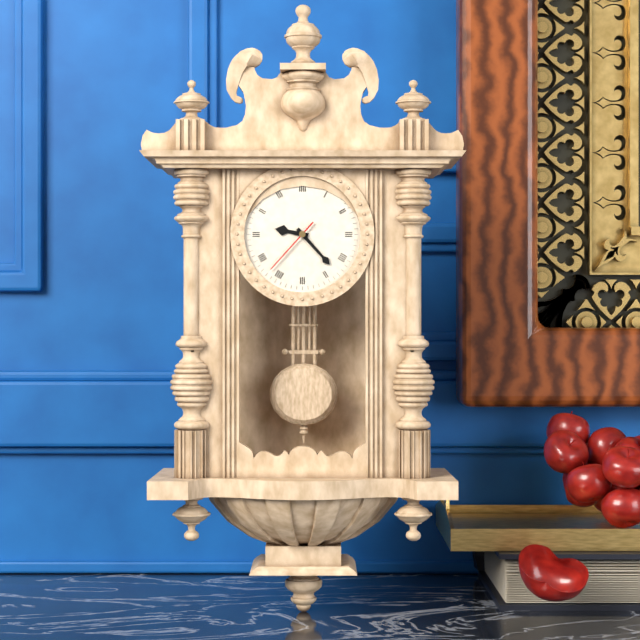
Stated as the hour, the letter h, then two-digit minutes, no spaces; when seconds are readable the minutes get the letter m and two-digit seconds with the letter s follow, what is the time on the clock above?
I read 9h23m37s
